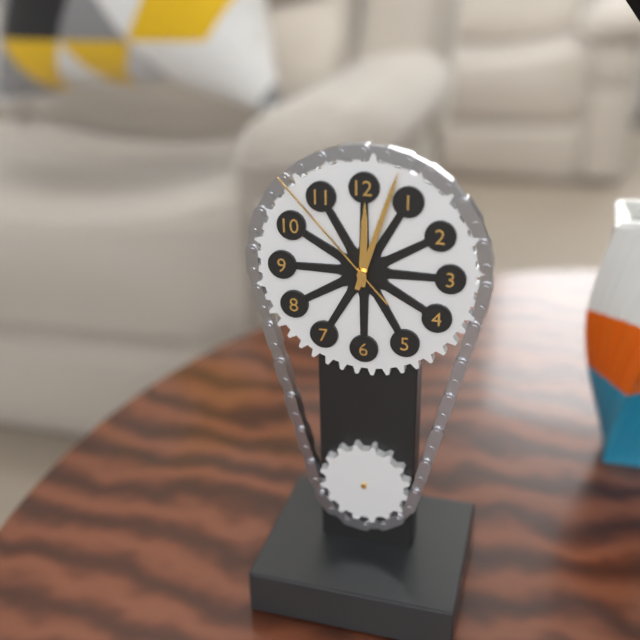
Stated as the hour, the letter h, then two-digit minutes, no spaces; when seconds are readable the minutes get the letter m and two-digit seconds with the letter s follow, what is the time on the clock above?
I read 12h03m53s
